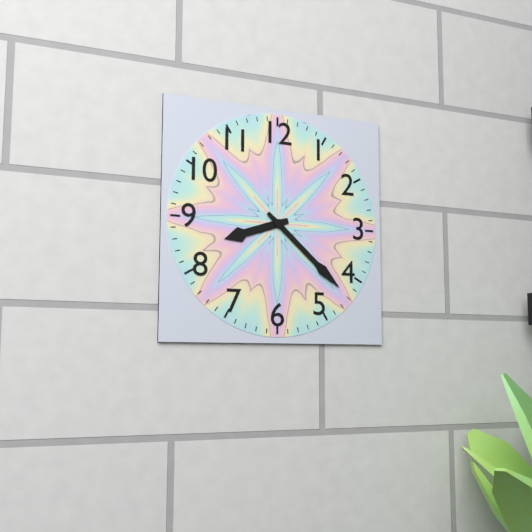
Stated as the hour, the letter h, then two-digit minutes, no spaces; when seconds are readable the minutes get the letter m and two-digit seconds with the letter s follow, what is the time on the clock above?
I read 8h22
